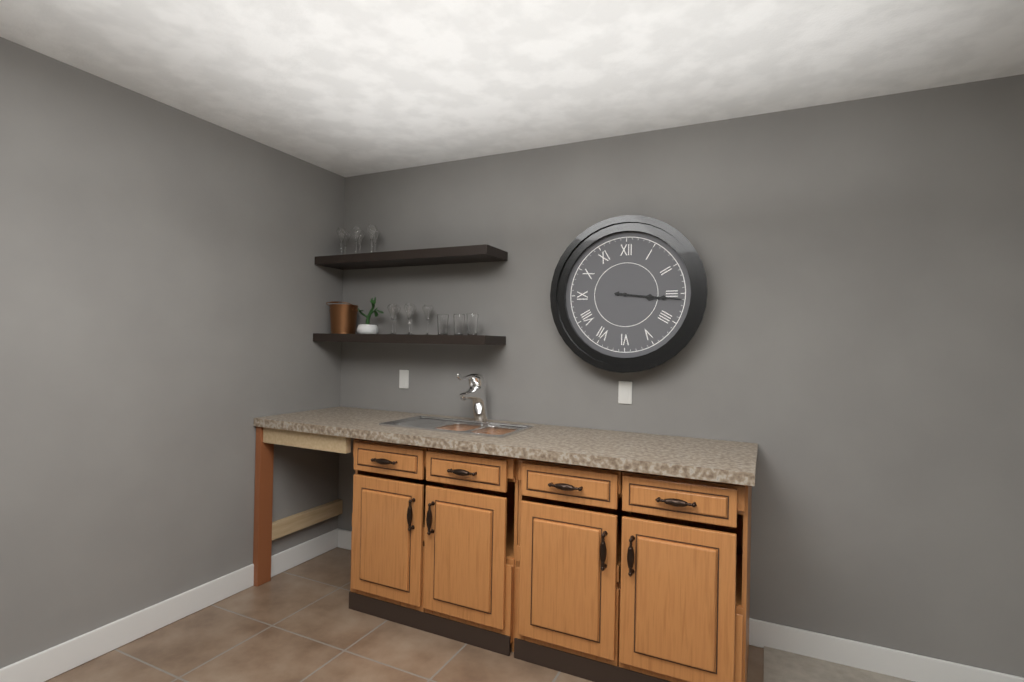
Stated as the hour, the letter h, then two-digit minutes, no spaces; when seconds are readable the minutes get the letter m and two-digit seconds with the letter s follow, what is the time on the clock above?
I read 3h16
